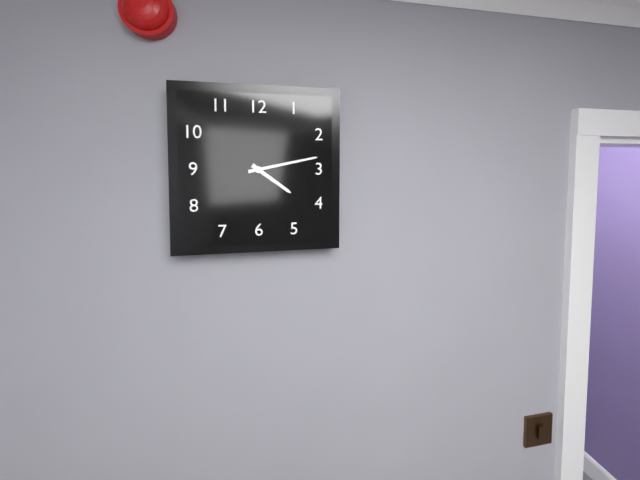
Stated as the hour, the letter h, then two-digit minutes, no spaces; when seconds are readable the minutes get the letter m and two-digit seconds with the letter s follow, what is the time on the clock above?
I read 4h13
